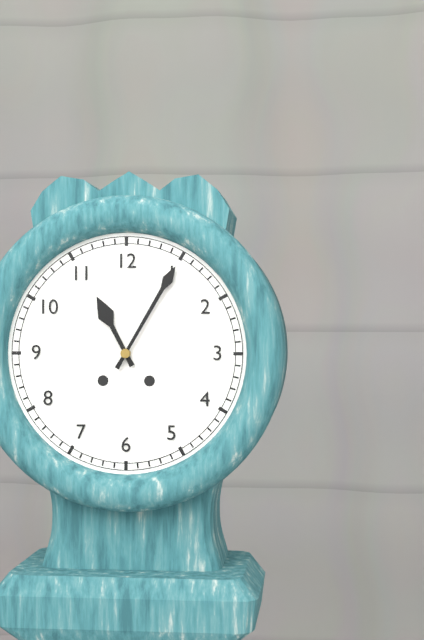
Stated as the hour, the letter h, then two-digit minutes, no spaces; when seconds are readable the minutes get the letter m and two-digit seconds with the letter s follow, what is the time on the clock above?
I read 11h05
